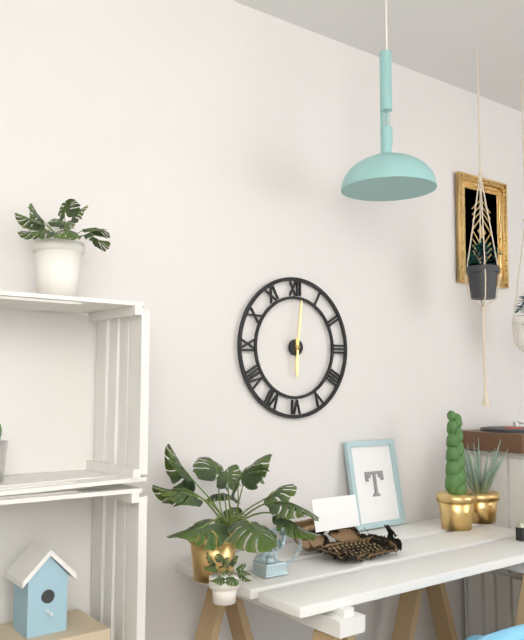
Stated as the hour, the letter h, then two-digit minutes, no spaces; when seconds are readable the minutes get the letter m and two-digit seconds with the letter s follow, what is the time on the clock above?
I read 6h01
